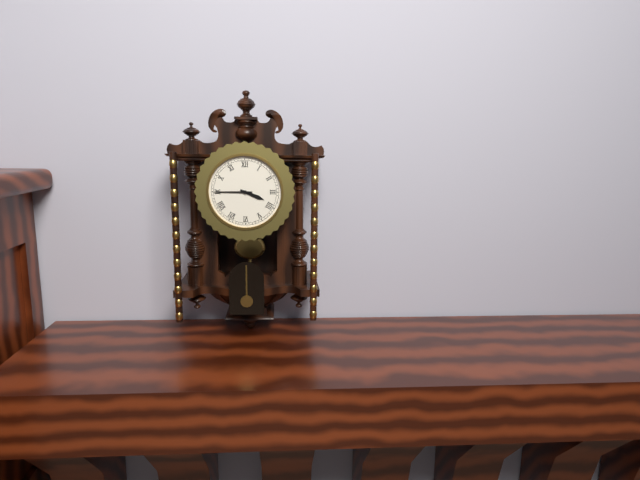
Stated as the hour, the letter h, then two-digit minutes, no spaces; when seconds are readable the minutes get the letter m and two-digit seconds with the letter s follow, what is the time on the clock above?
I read 3h45
